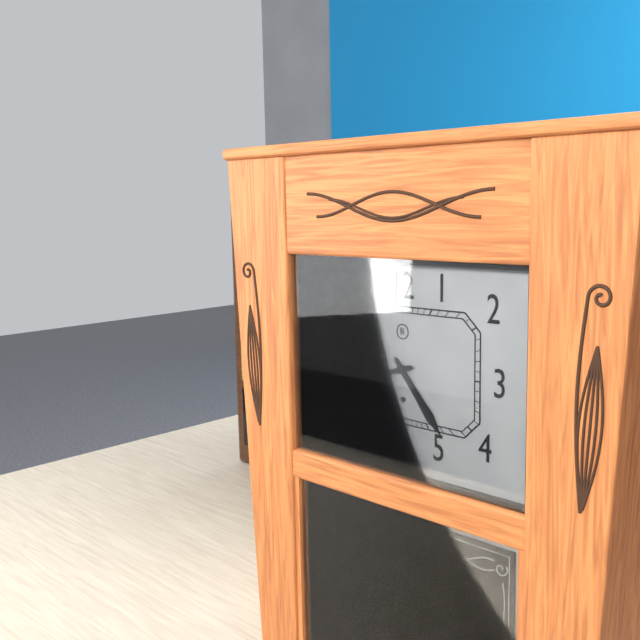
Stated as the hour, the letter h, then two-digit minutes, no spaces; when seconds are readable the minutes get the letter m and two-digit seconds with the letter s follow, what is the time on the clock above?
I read 4h42
